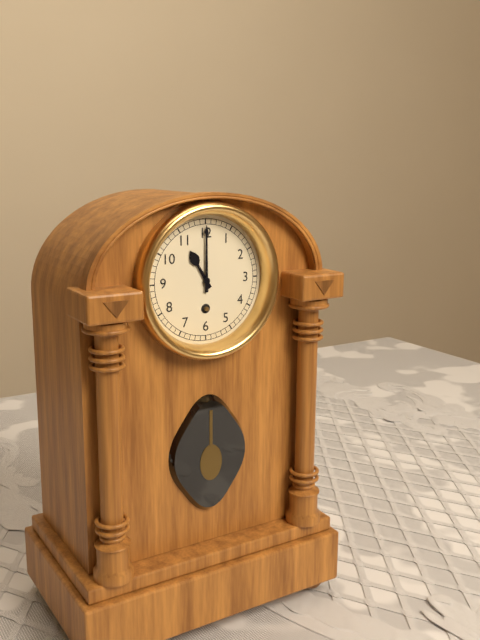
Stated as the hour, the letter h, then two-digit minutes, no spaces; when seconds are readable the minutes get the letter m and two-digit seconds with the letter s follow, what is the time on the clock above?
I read 11h00
